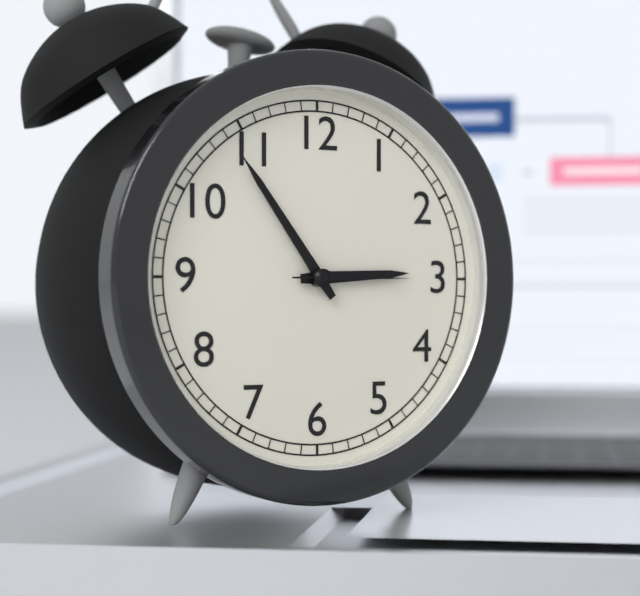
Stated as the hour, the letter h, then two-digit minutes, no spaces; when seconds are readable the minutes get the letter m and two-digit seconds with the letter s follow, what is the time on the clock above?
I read 2h54m15s
